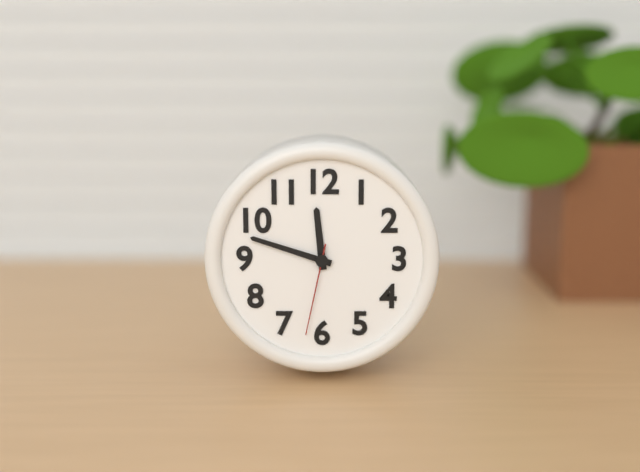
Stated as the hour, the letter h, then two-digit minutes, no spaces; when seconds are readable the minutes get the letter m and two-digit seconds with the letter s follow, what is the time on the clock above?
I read 11h48m32s
